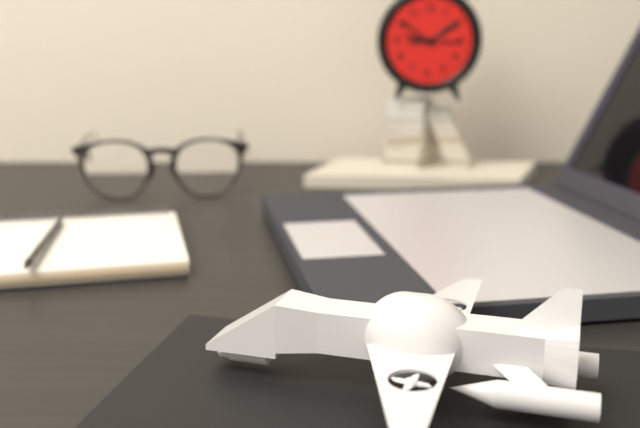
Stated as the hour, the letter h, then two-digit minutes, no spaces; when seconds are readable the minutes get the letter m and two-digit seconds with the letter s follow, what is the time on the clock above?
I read 8h51
